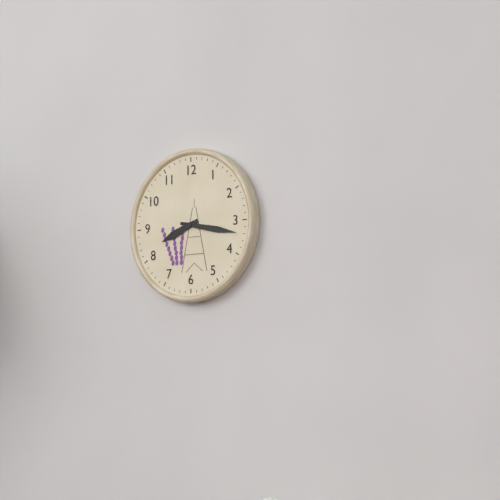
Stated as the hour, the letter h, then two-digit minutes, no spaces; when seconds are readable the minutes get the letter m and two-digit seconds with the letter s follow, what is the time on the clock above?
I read 8h17
